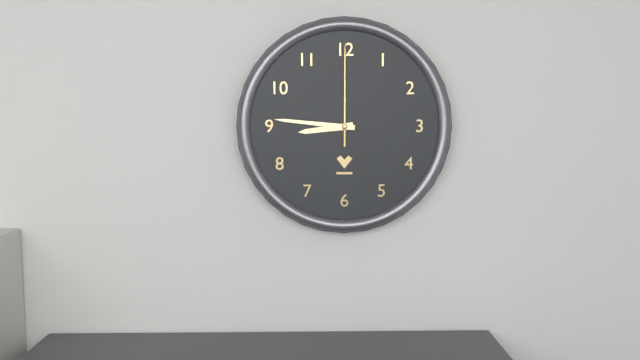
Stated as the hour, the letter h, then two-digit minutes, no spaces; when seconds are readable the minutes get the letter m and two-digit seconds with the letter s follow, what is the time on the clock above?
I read 8h46m00s
